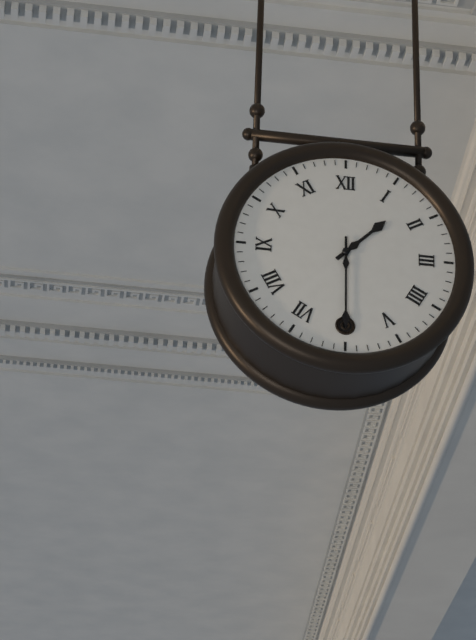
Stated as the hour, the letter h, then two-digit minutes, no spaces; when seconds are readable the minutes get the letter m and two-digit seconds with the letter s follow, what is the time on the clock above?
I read 1h30
